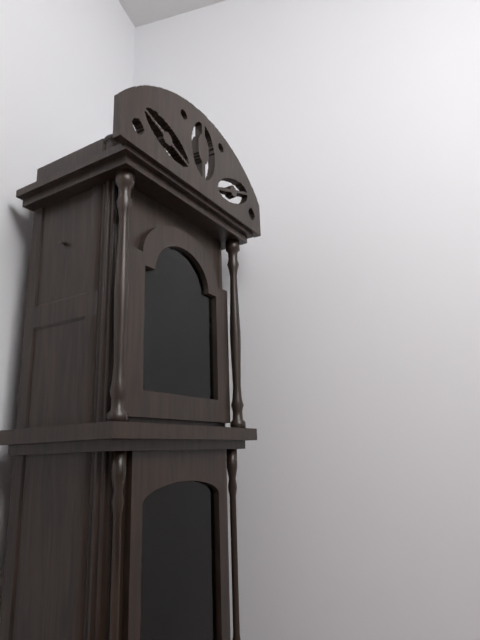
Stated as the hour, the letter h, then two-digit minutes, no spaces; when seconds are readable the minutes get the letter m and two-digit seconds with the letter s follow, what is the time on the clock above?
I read 12h34
